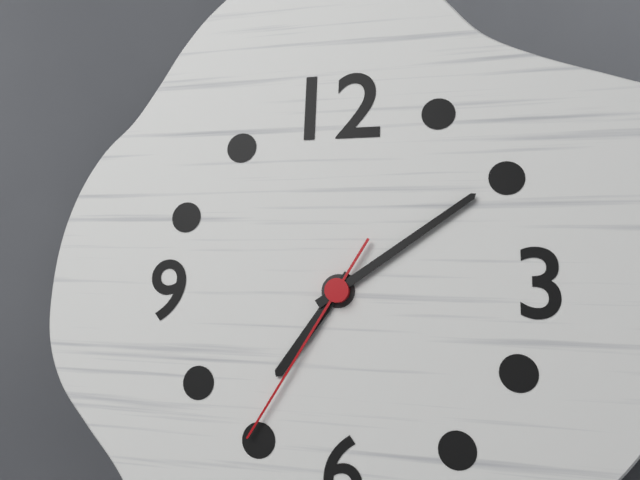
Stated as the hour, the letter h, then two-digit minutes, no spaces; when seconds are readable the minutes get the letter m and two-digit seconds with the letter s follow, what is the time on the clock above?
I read 7h09m35s
